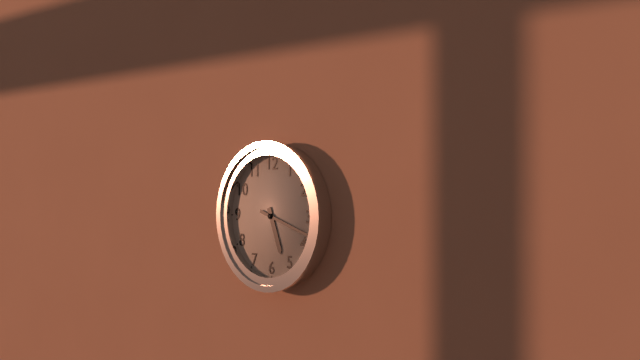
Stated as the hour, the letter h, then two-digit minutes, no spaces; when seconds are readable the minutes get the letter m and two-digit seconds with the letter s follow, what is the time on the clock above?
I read 5h18
